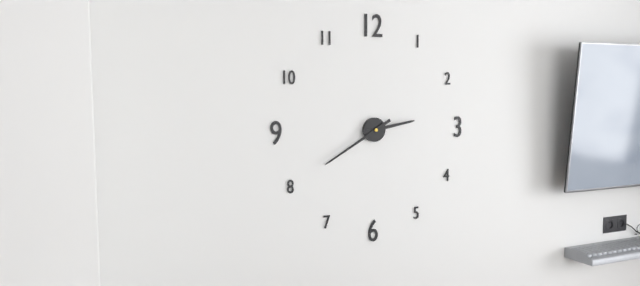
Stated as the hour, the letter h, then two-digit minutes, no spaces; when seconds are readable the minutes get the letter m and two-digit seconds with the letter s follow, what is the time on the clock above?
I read 2h40
